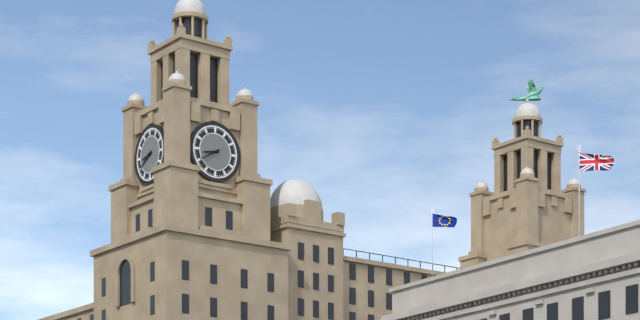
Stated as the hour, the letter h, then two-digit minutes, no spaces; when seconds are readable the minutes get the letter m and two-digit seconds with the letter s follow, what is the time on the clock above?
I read 8h40
